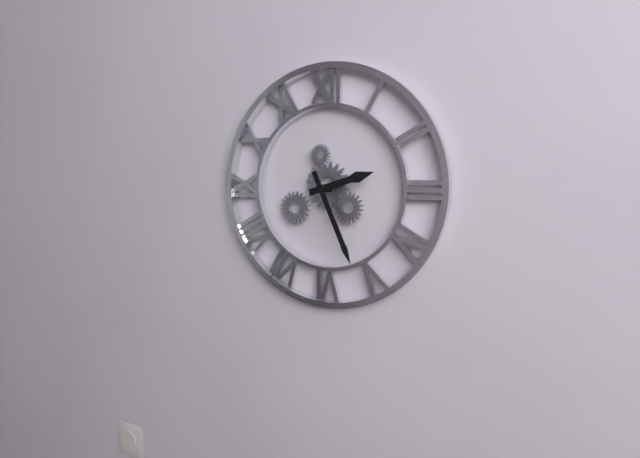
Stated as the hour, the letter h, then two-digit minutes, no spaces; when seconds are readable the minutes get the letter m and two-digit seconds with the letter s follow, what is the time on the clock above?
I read 2h26
